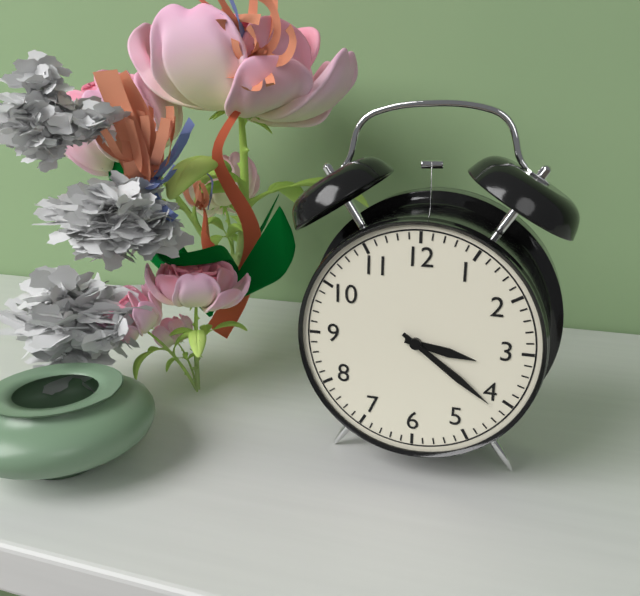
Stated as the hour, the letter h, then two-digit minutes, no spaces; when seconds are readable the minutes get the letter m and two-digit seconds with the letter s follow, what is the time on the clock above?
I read 3h21
